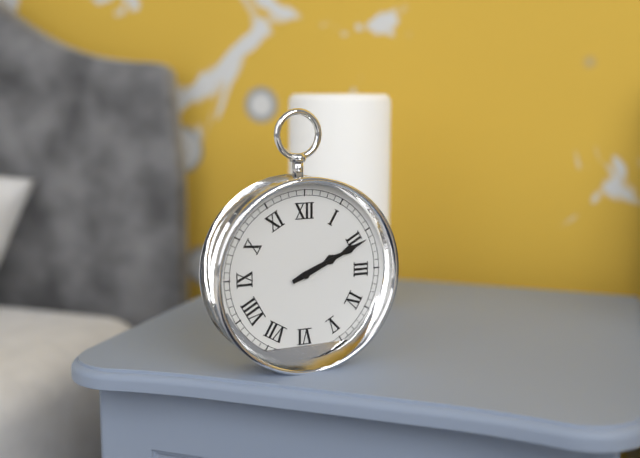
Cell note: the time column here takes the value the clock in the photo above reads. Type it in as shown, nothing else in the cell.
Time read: 2:11
